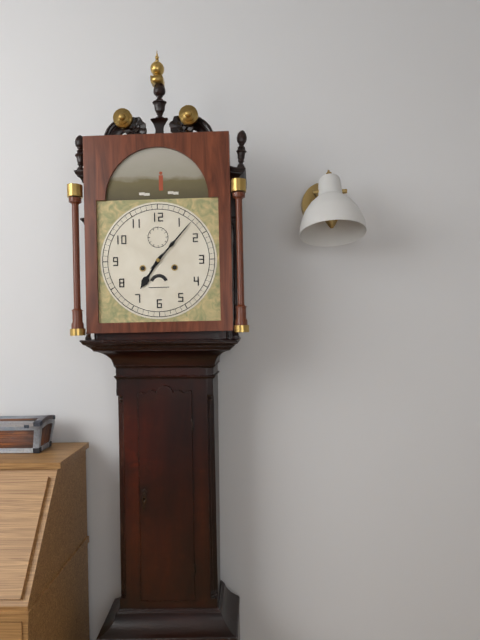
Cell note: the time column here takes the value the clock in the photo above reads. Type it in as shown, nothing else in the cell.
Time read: 7:07
